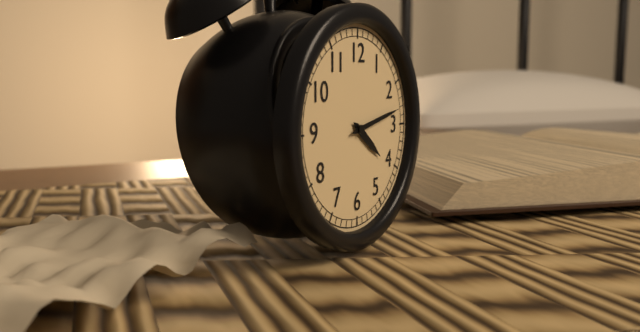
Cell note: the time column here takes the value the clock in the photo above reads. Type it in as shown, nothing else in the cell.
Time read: 4:13
